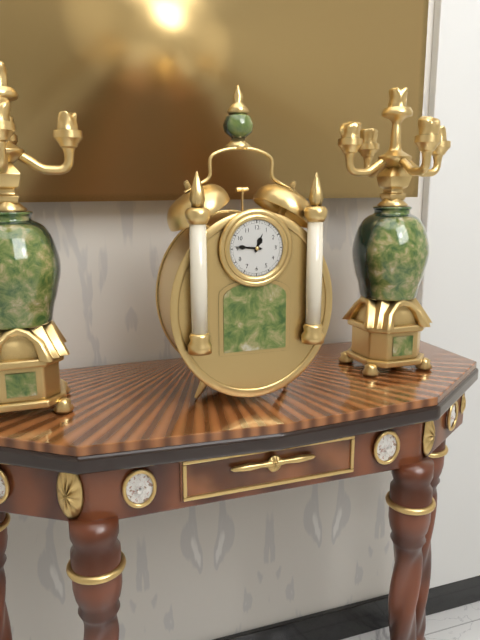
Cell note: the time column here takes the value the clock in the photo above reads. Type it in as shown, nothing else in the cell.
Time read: 12:46
